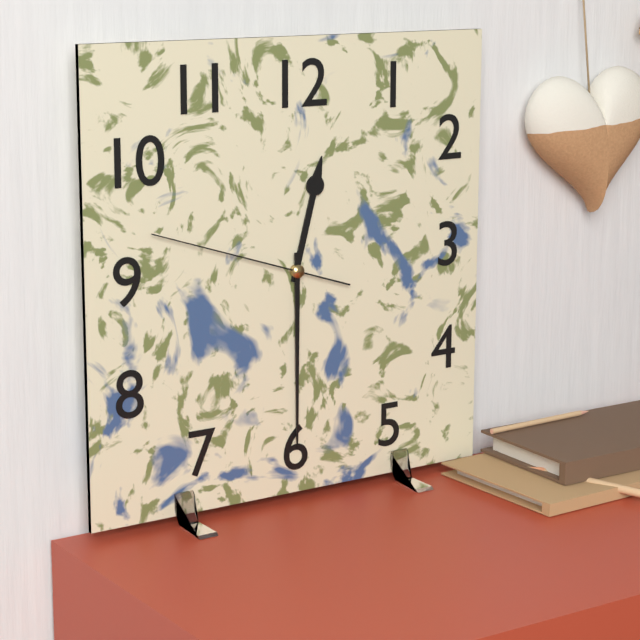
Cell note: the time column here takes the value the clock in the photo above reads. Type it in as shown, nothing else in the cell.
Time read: 12:30:48
